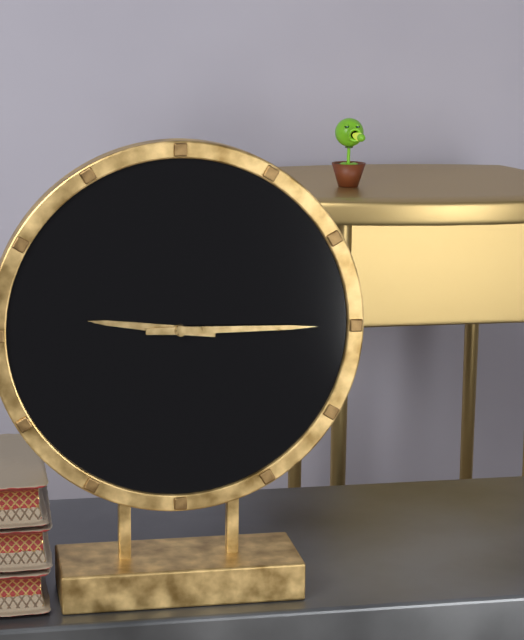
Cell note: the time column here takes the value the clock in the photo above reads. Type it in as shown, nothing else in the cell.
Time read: 9:15
